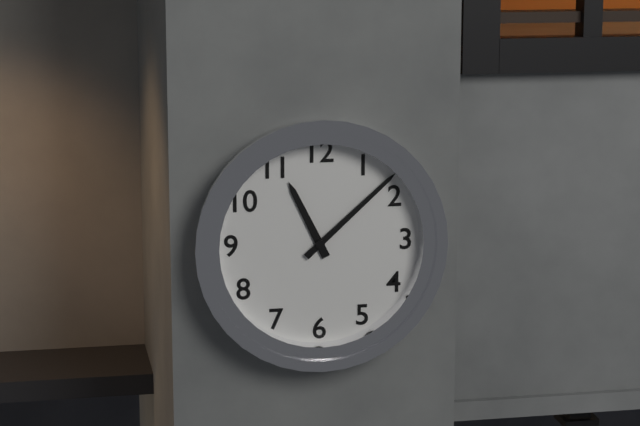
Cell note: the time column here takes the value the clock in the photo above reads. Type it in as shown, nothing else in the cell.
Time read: 11:08
